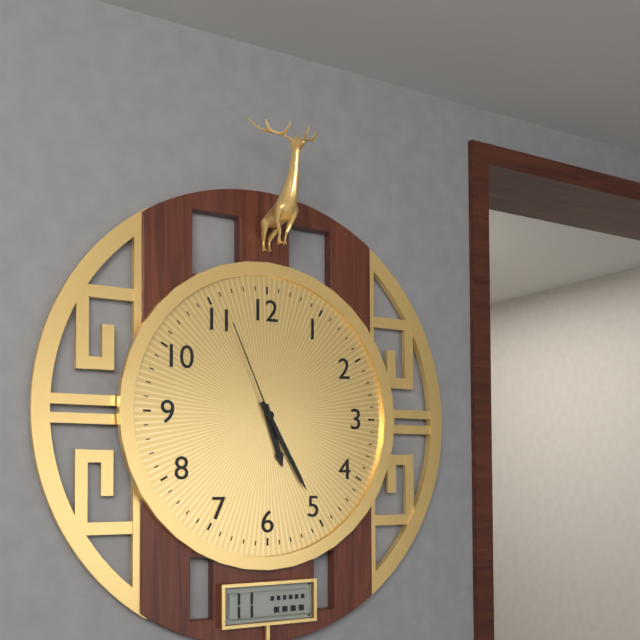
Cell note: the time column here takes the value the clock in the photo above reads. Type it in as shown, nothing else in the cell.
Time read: 5:25:56
